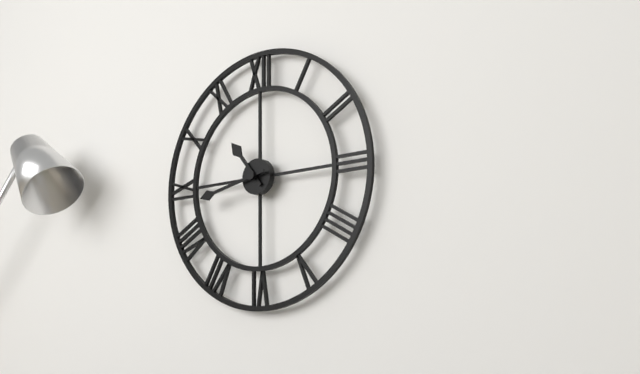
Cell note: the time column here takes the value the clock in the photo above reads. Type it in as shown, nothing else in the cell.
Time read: 10:43
